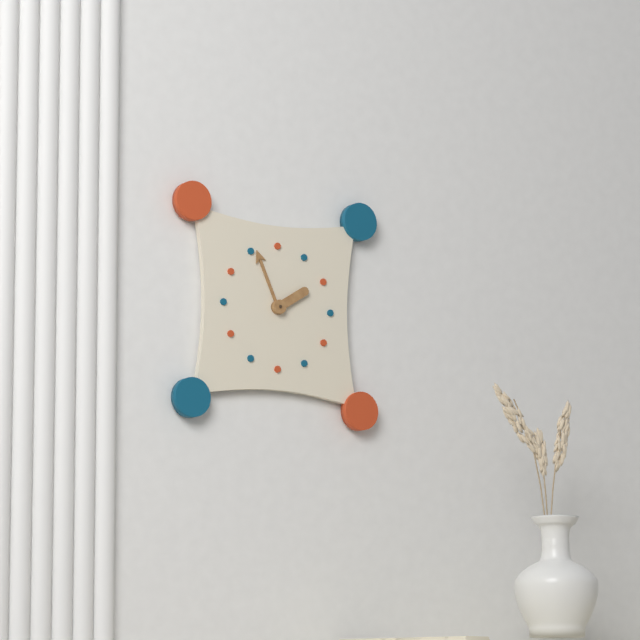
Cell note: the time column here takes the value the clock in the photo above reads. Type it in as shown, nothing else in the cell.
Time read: 1:56
